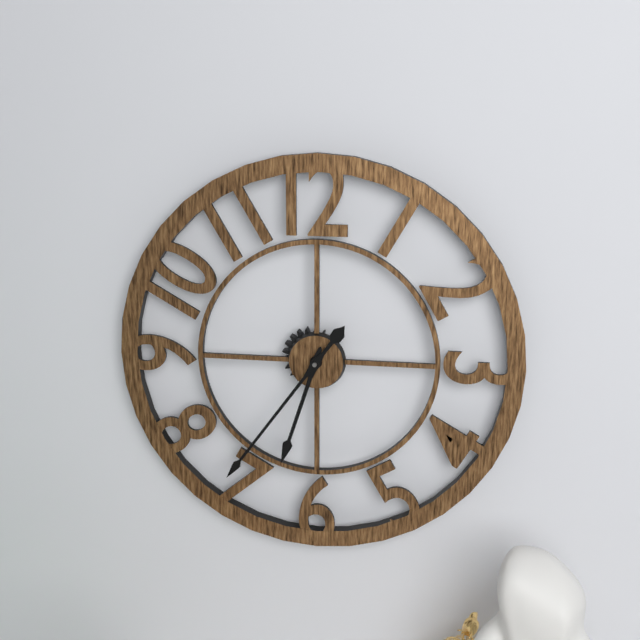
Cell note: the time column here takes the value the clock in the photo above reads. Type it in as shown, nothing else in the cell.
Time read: 6:36
